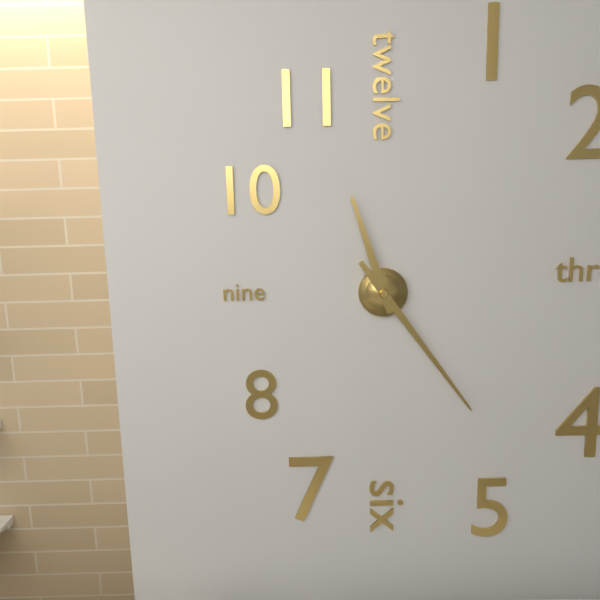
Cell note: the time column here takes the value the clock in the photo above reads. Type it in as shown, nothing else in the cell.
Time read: 11:24
